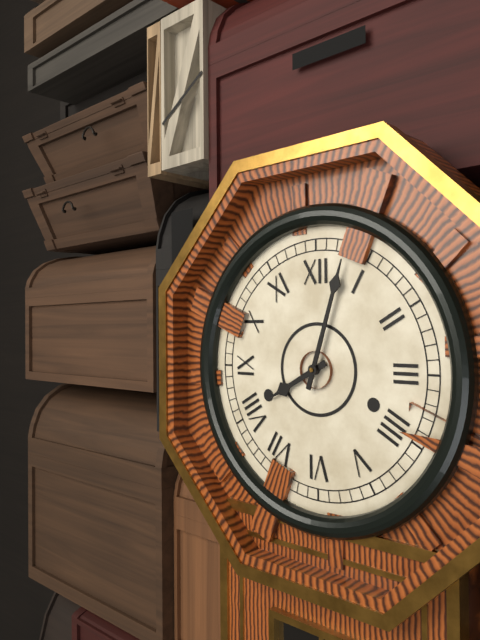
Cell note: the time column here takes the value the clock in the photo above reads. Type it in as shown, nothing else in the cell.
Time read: 8:03
